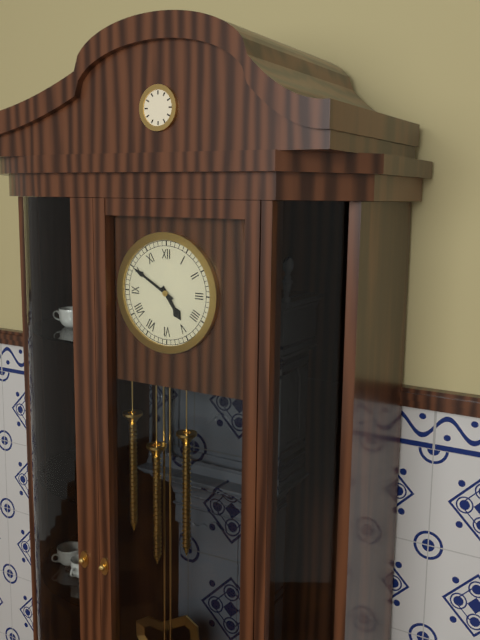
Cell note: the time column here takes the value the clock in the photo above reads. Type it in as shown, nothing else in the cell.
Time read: 4:50
